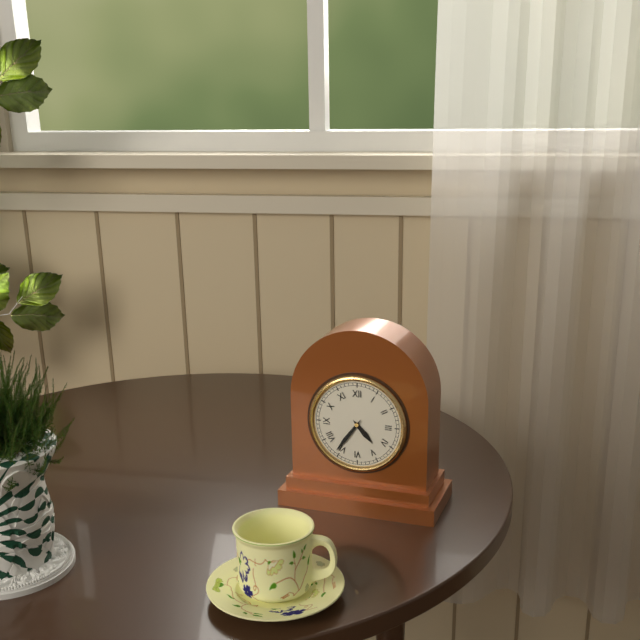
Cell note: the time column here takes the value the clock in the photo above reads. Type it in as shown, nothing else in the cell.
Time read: 4:36
